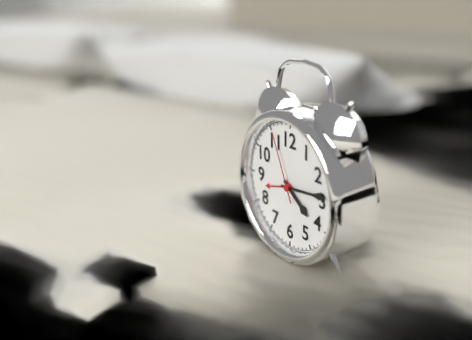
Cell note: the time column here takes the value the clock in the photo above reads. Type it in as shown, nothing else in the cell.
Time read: 4:14:56
